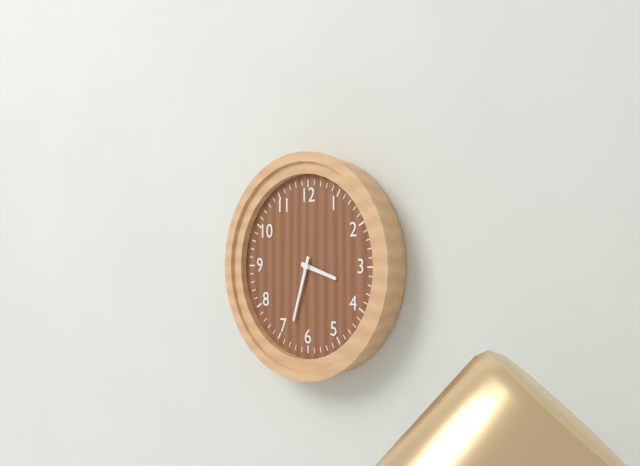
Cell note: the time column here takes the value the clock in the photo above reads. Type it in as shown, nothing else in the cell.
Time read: 3:33
